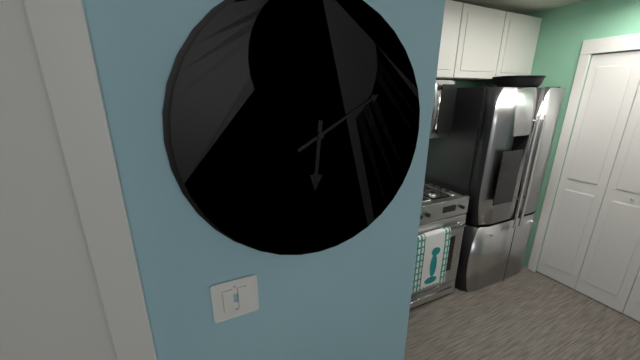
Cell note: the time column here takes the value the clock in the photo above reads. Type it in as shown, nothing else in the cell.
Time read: 6:10
